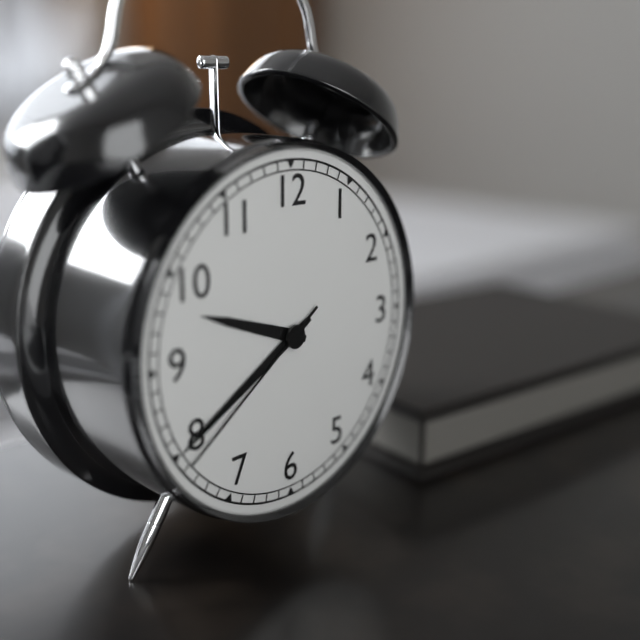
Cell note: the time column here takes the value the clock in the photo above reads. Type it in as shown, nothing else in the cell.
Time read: 9:40:39
